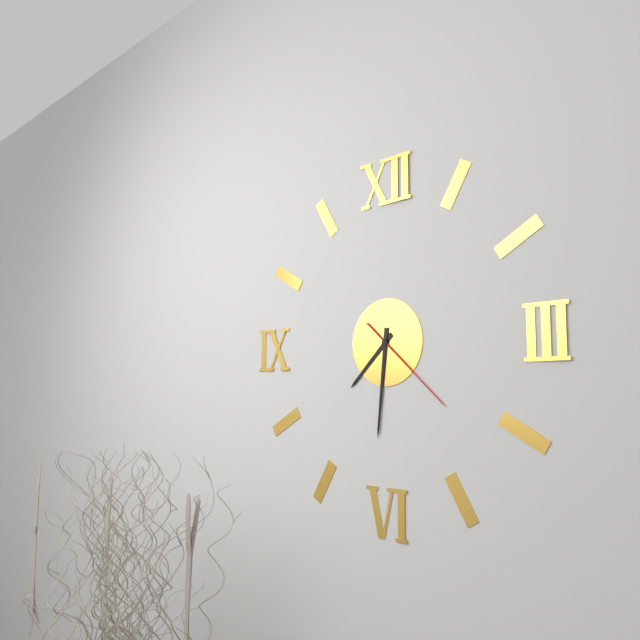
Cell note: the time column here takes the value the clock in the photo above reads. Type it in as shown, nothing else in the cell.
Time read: 7:31:22
